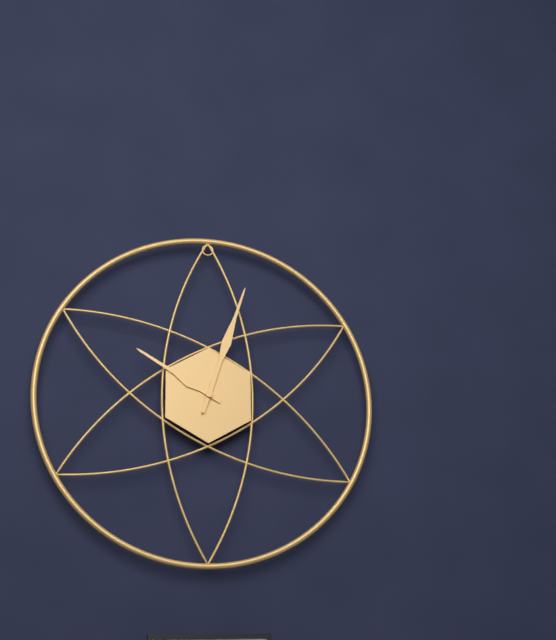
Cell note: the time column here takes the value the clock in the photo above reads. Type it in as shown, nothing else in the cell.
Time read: 10:03
